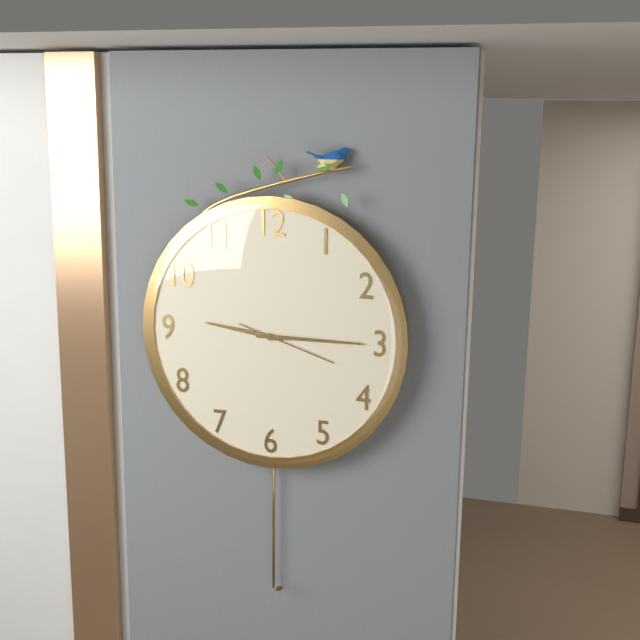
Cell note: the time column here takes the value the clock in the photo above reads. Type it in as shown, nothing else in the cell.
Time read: 9:15:18
